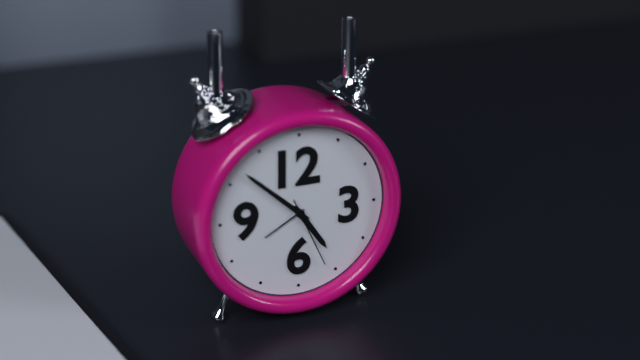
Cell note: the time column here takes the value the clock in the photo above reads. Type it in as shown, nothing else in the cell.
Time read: 4:52:26
